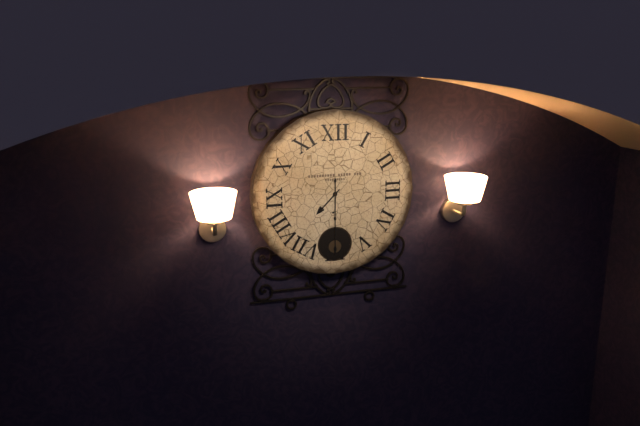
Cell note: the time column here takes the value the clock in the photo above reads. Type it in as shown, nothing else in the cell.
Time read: 7:30
